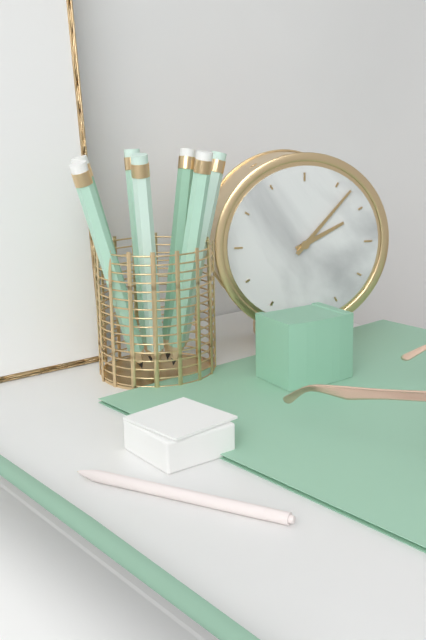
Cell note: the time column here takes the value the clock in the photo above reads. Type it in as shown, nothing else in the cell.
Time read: 2:07
